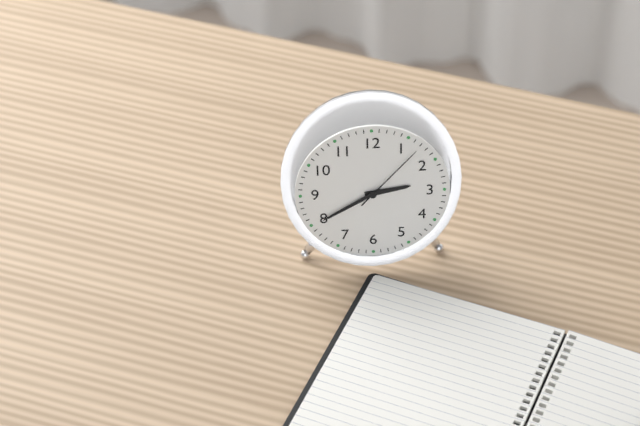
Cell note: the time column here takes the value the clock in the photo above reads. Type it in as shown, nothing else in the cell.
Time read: 2:40:07
